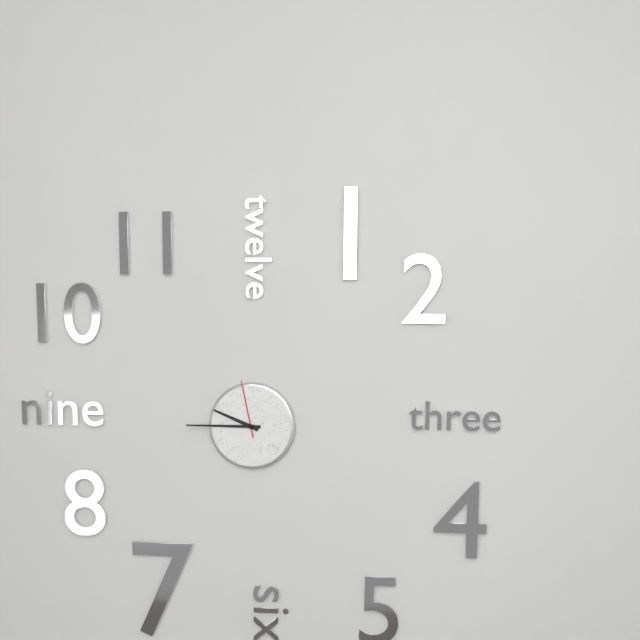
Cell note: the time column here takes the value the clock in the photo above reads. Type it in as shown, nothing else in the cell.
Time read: 9:45:58
